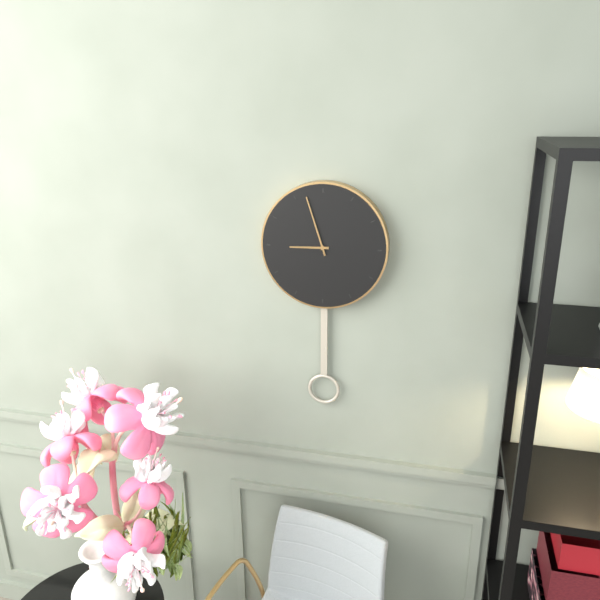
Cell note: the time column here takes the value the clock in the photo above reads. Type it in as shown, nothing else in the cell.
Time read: 8:57
